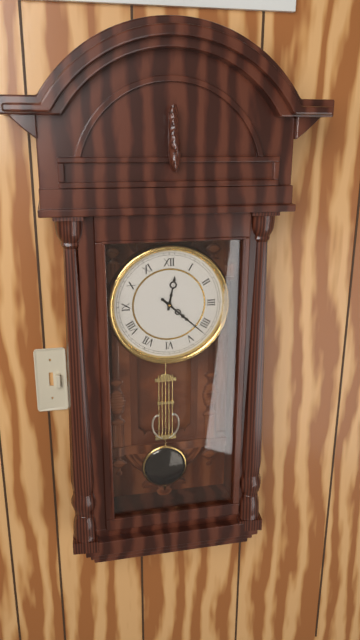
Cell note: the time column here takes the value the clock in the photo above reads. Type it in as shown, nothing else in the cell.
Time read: 12:22
